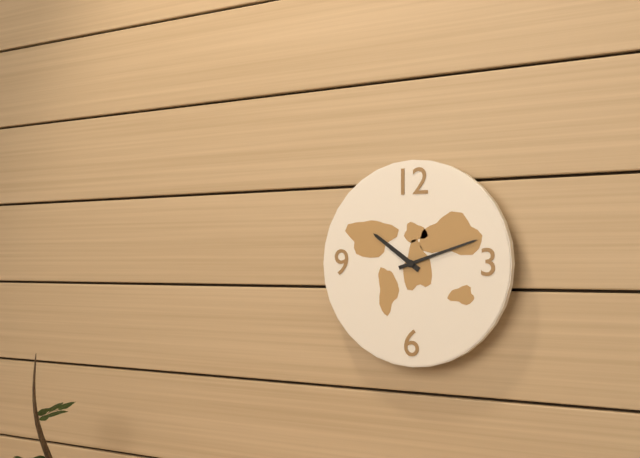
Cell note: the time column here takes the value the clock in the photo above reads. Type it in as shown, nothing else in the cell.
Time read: 10:12
